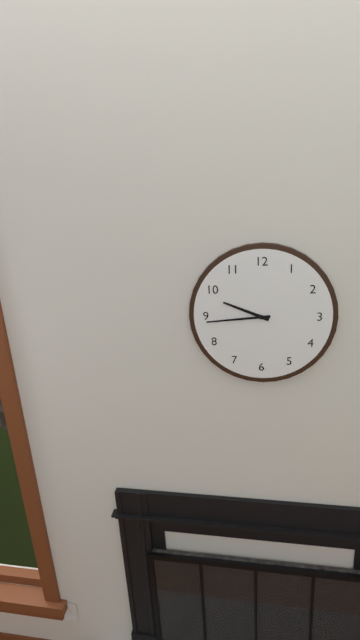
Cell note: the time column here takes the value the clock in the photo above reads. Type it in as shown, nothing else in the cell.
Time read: 9:44
